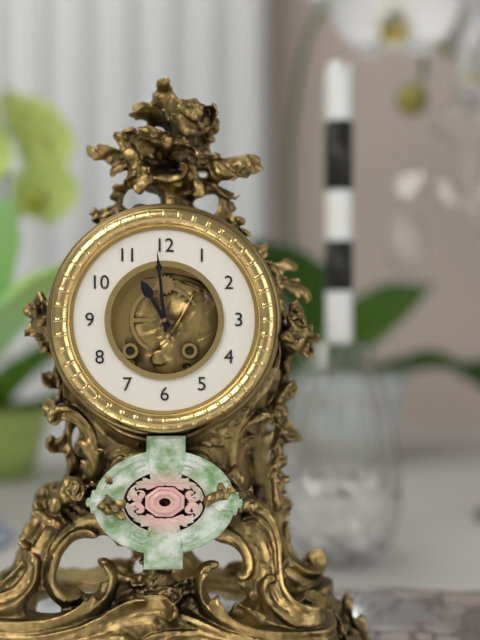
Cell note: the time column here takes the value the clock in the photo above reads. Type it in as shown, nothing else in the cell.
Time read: 10:59
